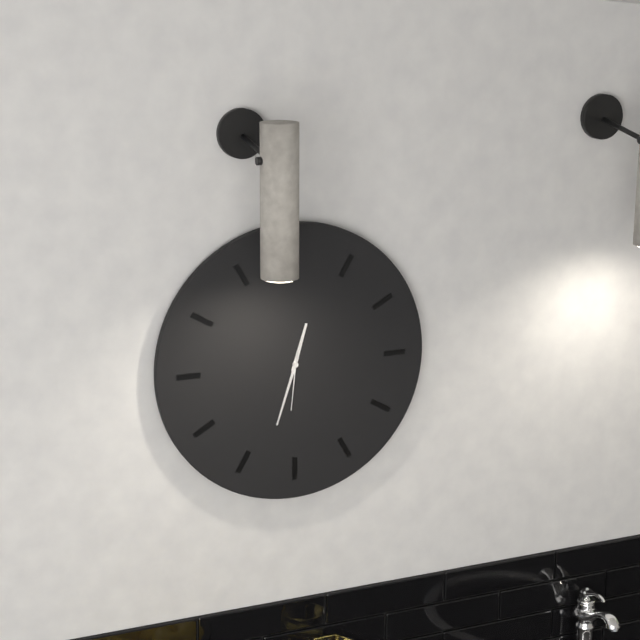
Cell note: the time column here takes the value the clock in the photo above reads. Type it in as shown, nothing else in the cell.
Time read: 12:33:31
